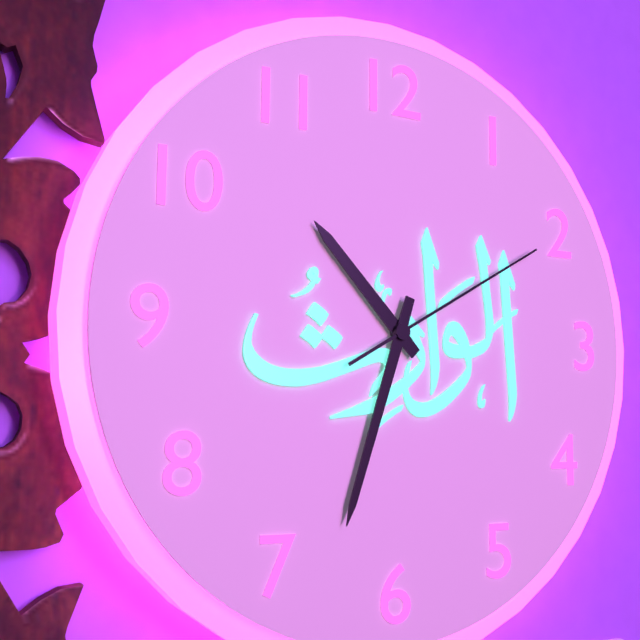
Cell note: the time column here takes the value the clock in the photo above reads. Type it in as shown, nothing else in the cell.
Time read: 10:33:10
